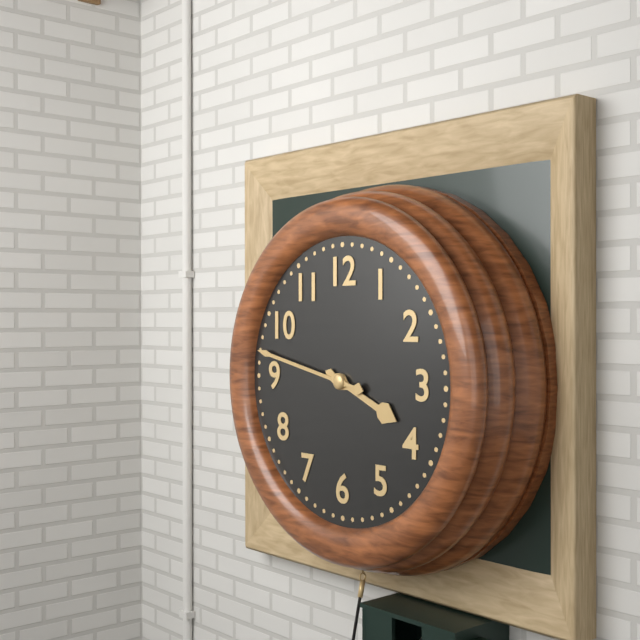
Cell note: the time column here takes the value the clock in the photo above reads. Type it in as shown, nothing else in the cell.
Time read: 3:47
